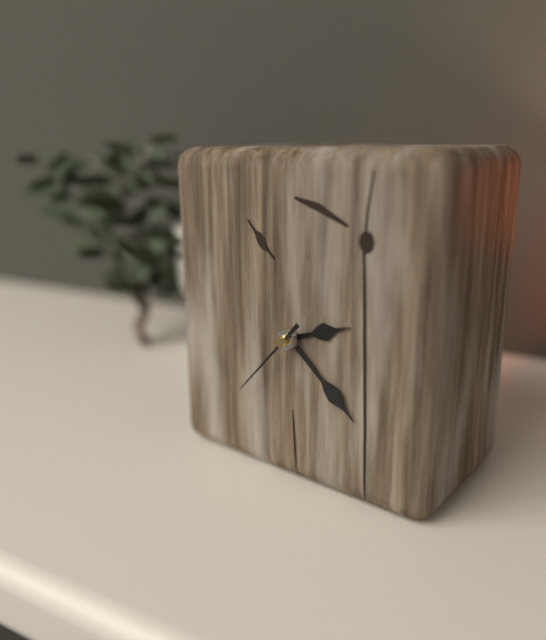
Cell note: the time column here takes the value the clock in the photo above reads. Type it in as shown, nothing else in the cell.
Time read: 2:22:37
